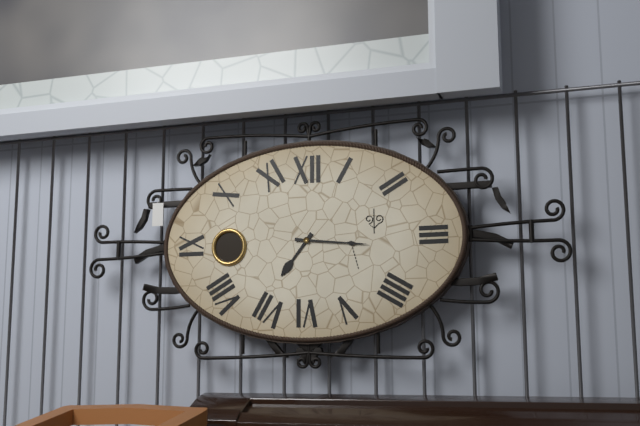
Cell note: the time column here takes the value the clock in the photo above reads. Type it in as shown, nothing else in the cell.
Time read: 7:16
